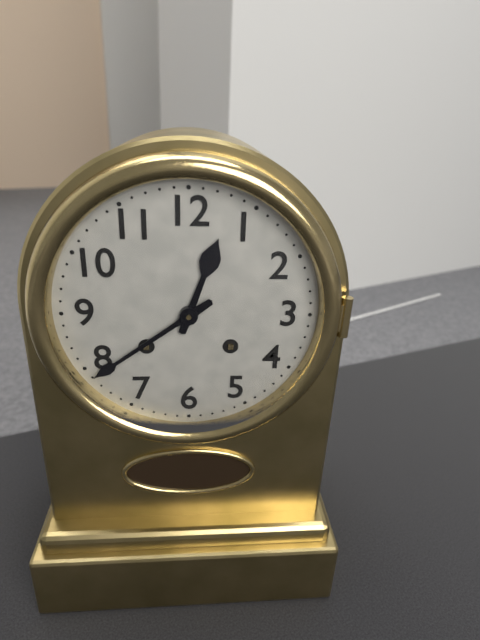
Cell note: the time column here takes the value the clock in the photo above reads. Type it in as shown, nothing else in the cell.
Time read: 12:39
